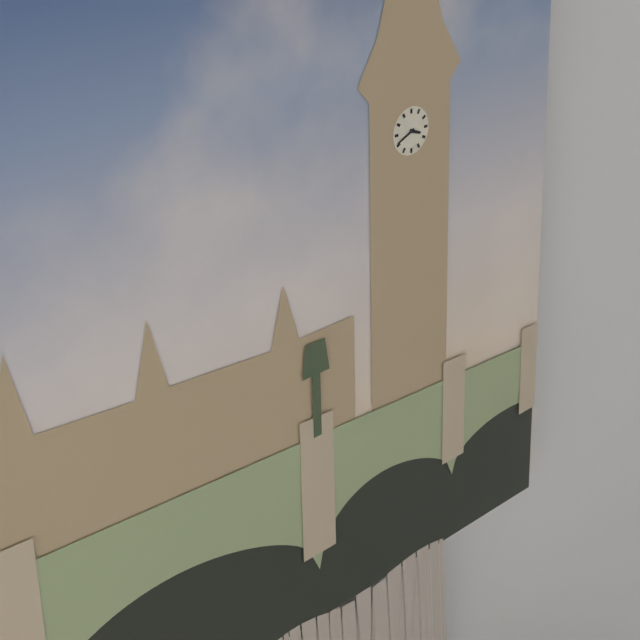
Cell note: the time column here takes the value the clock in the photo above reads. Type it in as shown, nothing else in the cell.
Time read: 3:41
